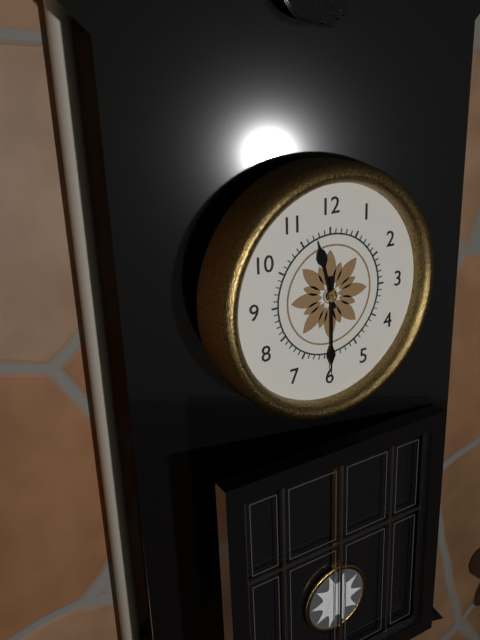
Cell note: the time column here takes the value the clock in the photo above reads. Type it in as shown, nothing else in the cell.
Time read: 11:30
